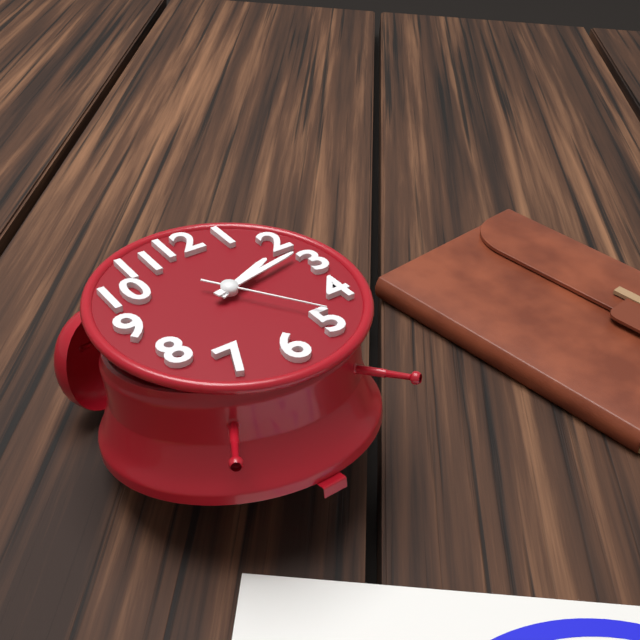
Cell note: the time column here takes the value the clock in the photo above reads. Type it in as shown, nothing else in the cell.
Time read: 2:13:24
